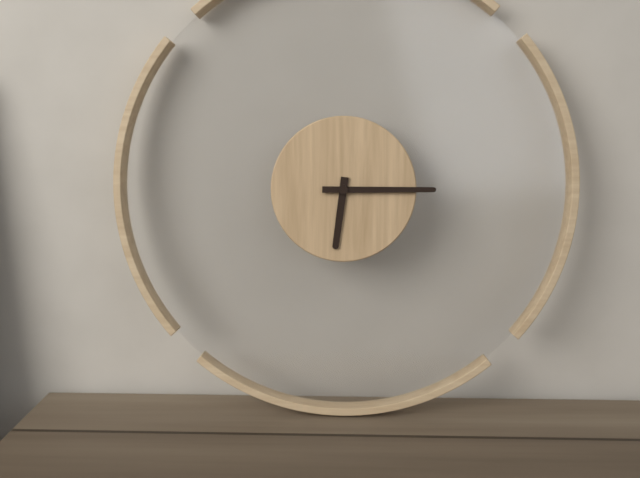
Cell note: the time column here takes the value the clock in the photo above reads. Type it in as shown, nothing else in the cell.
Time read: 6:15
